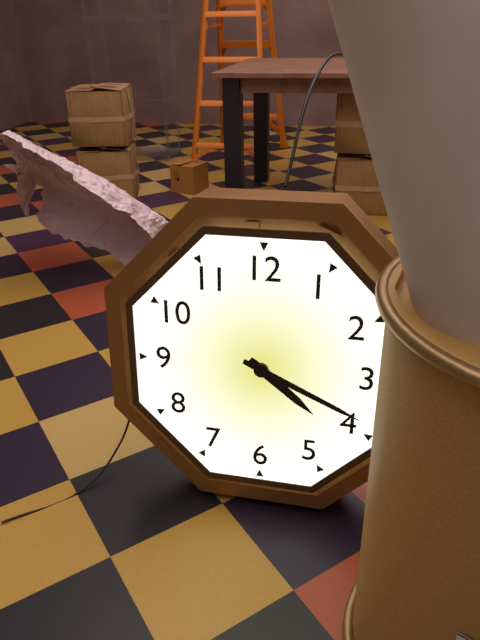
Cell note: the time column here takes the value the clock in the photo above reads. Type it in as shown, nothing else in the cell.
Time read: 4:19
